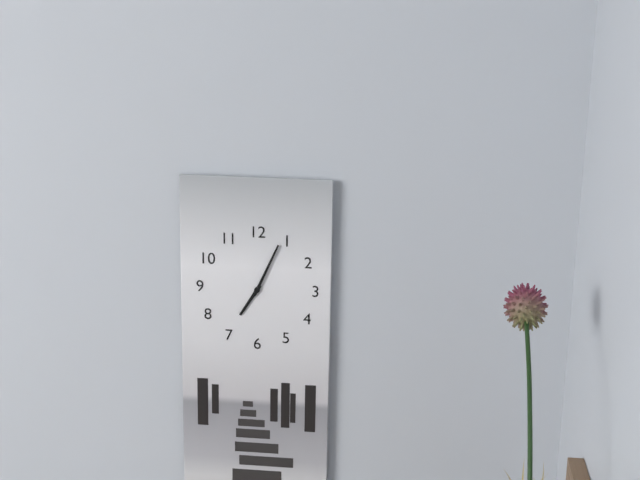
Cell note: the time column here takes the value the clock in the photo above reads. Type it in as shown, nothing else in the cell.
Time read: 7:04
